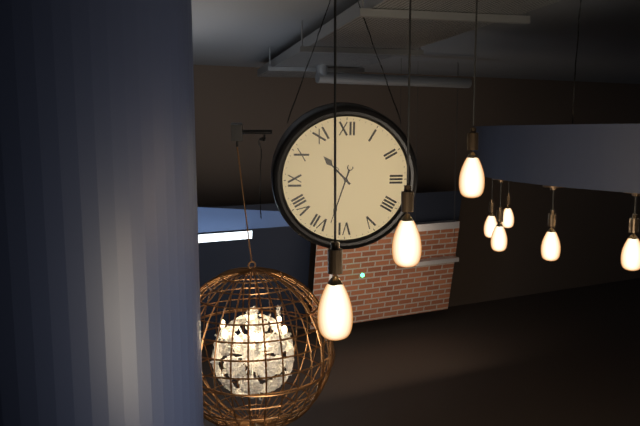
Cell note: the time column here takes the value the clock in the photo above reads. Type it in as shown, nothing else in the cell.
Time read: 10:33
